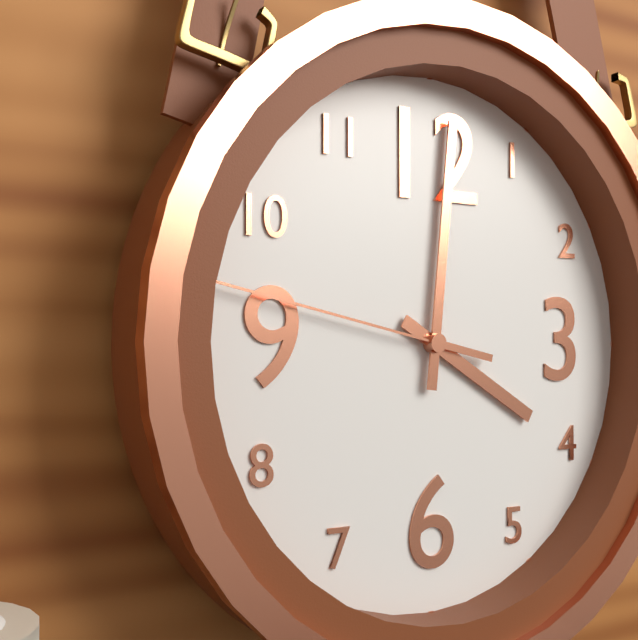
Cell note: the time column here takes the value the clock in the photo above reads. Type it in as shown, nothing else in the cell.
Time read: 4:01:47
